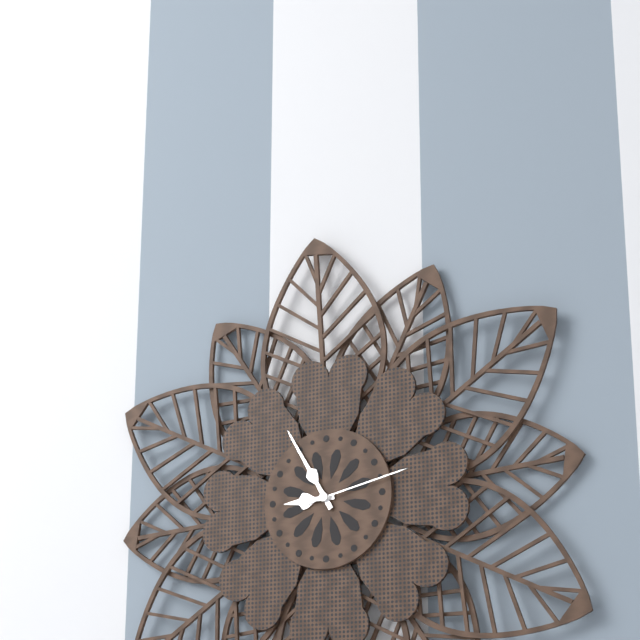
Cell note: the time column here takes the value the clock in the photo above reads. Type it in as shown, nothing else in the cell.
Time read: 8:55:13
